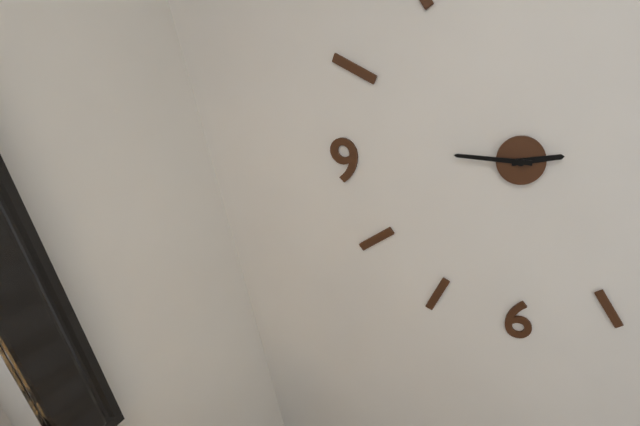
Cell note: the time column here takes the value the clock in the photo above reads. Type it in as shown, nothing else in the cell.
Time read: 2:46
